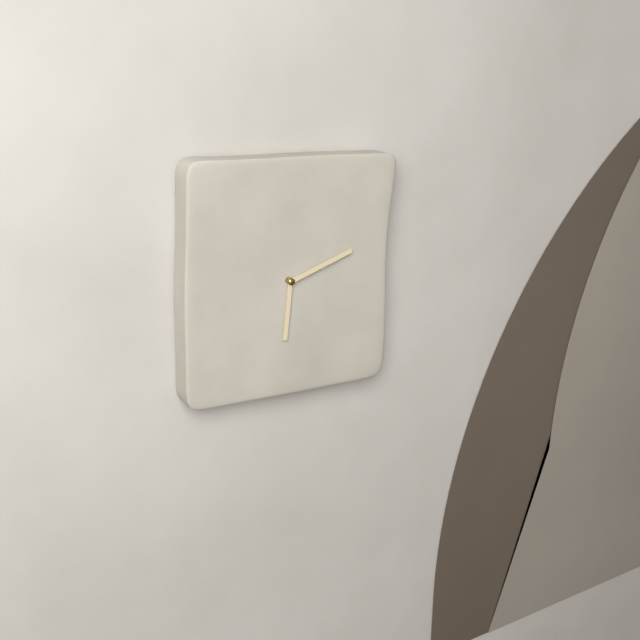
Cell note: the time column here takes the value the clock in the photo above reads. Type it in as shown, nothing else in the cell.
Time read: 6:12
